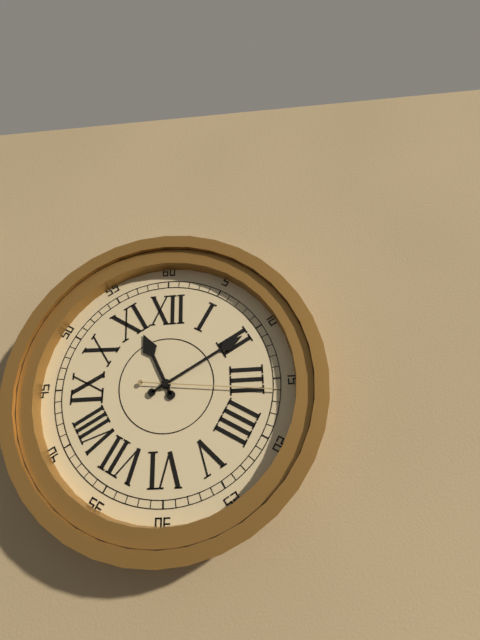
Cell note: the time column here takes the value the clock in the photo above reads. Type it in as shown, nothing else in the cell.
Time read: 11:10:16
